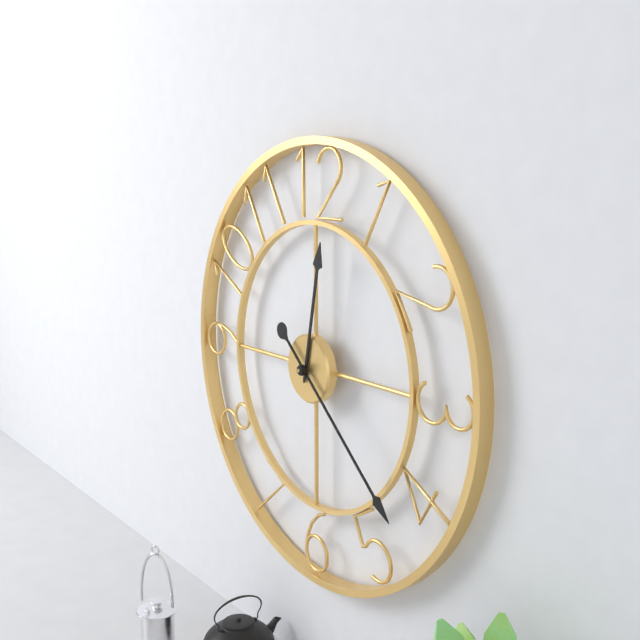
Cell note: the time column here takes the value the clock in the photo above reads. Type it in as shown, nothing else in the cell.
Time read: 12:22
